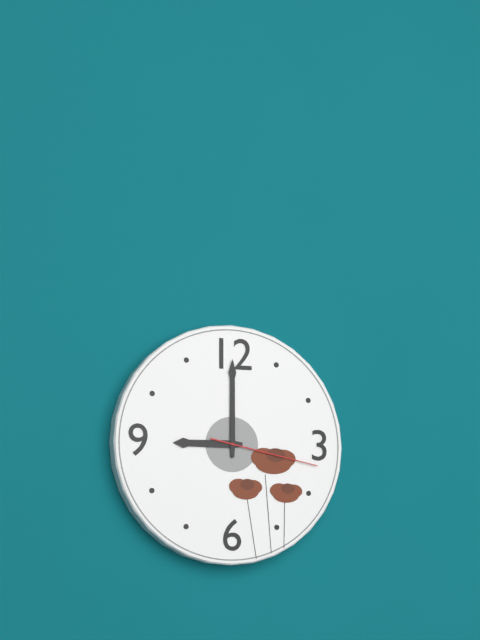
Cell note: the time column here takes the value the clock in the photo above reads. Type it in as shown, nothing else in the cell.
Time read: 9:00:17
